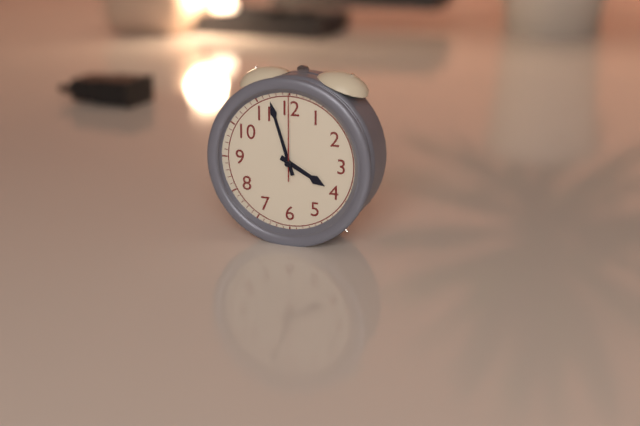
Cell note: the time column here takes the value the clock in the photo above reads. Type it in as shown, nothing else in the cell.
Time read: 3:57:00
